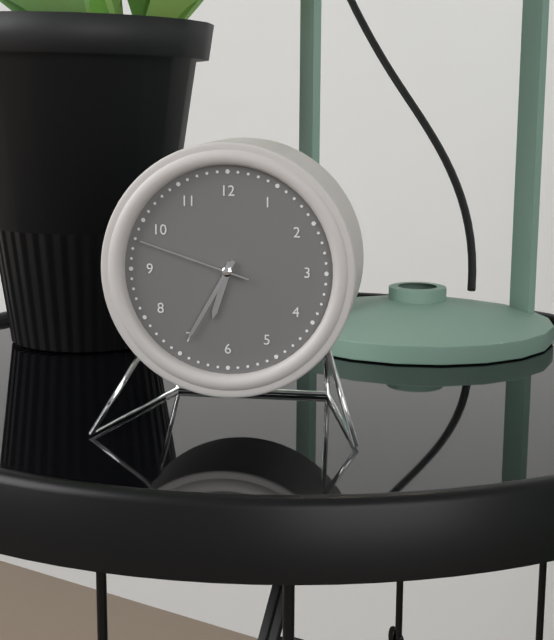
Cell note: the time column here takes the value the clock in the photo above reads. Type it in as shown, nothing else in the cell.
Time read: 6:35:48
